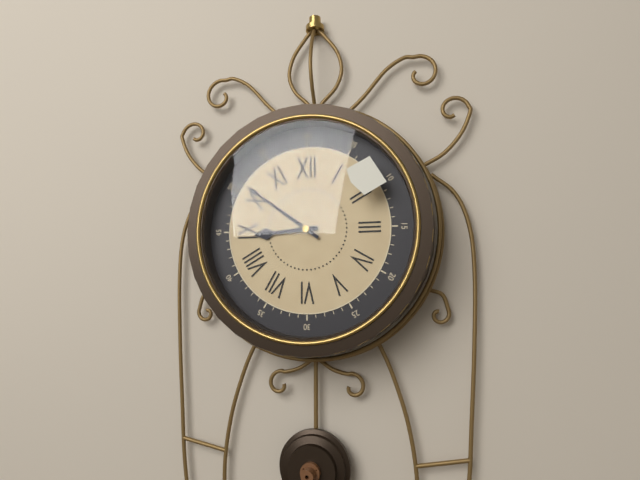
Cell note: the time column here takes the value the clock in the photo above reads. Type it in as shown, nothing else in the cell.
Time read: 8:51
